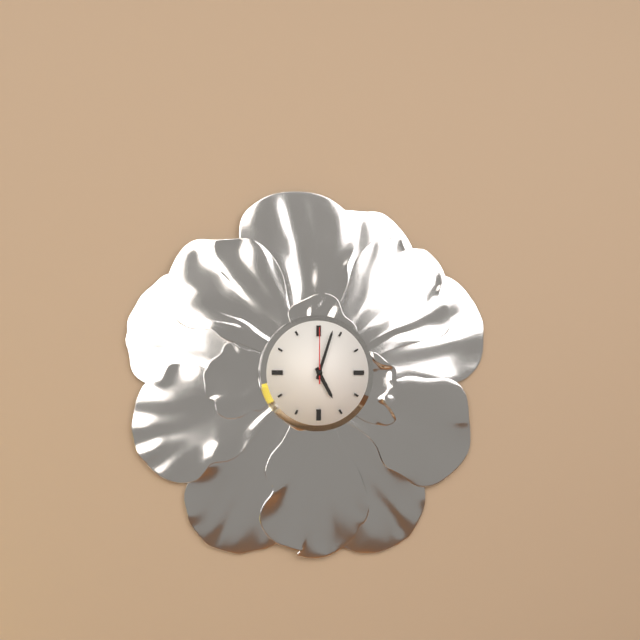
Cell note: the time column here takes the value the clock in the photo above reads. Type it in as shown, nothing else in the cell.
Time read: 5:03:00
